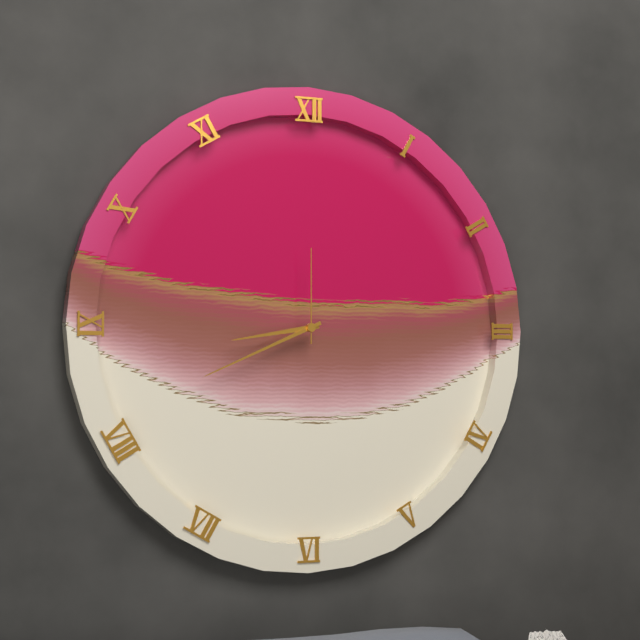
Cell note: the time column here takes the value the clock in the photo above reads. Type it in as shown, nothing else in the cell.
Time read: 8:41:00
